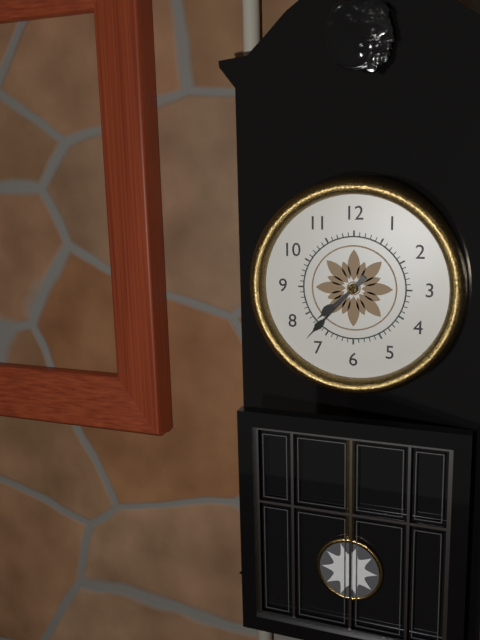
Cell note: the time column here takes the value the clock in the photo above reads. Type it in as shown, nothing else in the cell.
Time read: 7:37
